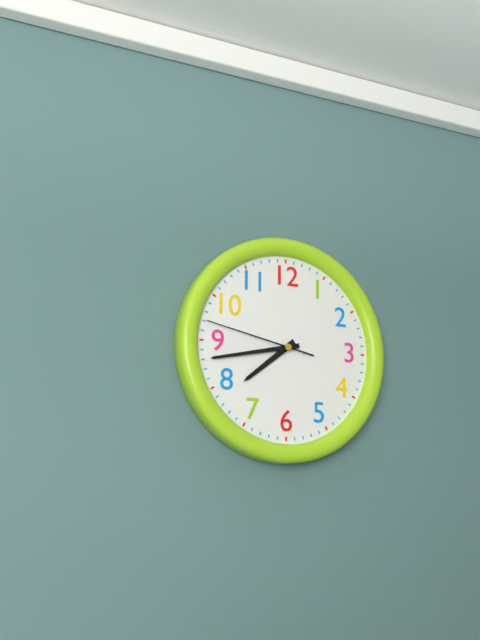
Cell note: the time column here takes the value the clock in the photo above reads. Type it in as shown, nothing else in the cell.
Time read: 7:43:47
